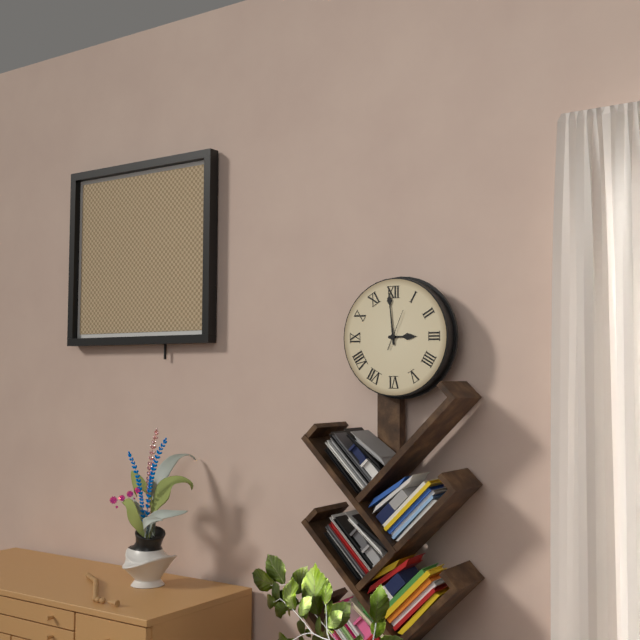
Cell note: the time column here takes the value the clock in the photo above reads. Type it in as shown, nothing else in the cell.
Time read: 2:59
